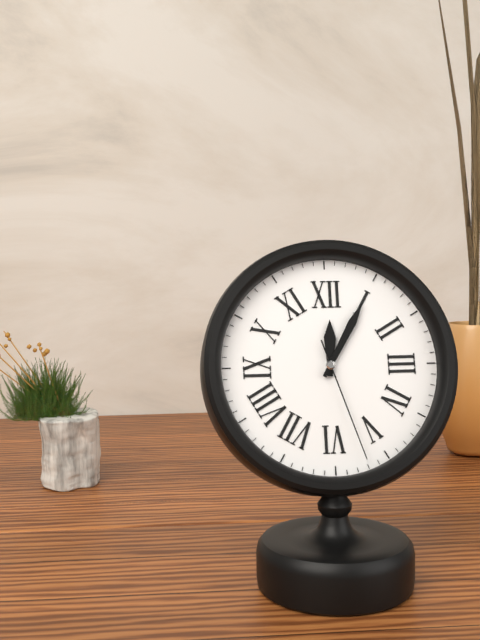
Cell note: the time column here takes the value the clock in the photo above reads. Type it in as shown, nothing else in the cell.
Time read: 12:05:27
